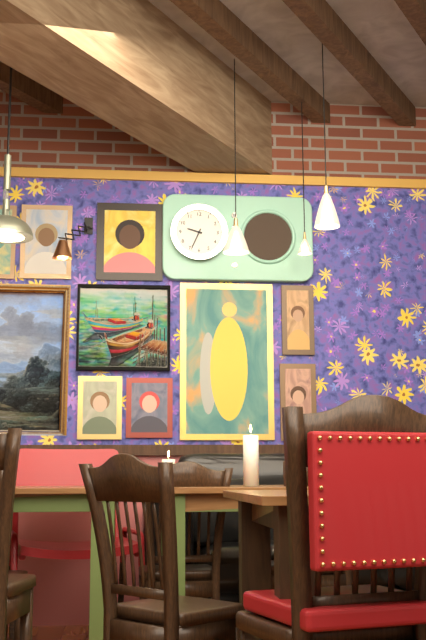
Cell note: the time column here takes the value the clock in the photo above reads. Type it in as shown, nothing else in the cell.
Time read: 9:34
